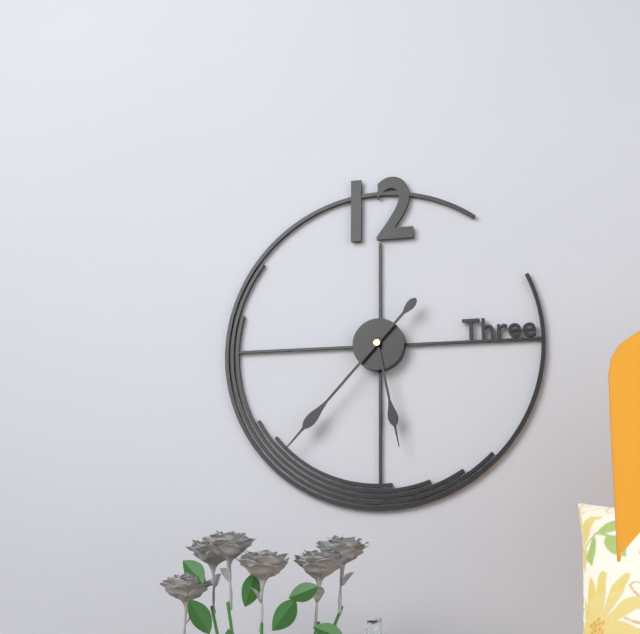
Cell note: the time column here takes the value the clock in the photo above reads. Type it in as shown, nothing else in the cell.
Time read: 5:37
